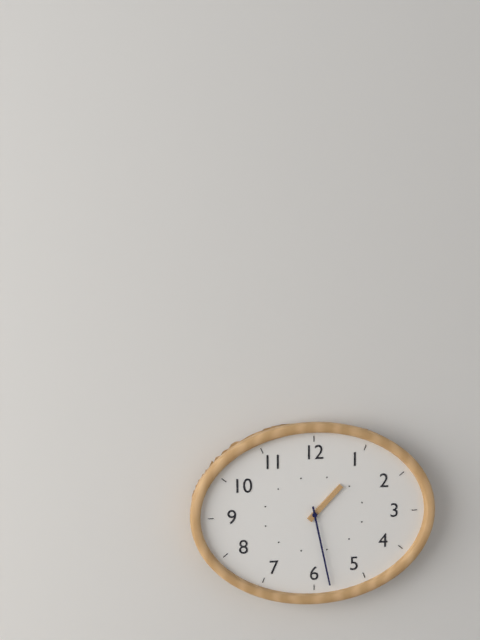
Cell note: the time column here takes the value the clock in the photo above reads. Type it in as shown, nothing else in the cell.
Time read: 1:28
